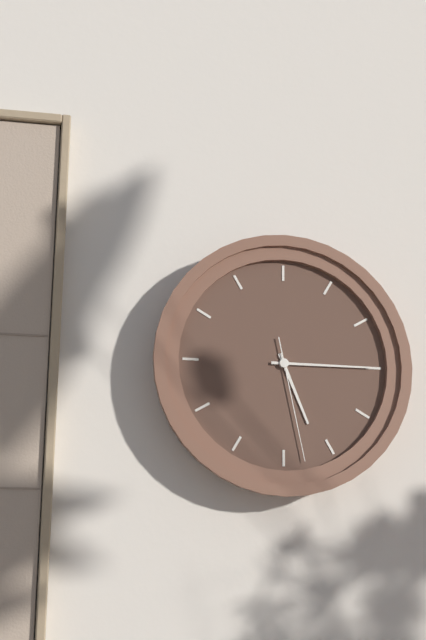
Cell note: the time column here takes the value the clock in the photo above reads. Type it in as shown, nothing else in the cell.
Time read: 5:15:28
